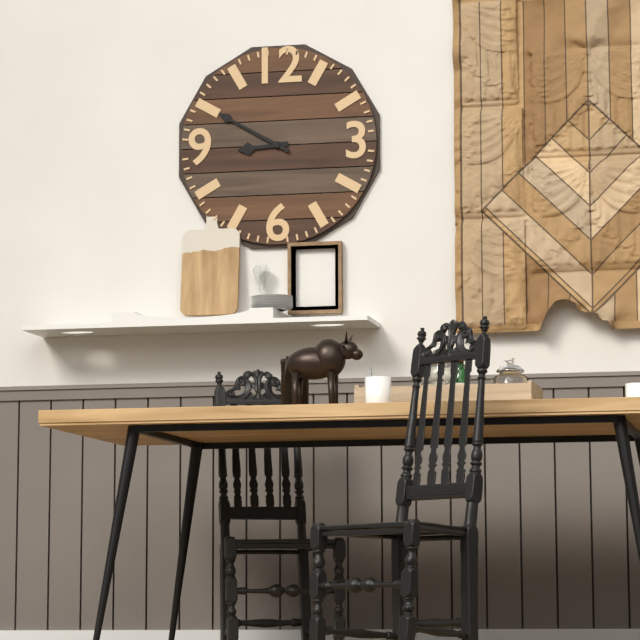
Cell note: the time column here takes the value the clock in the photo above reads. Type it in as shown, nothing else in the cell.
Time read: 8:50
